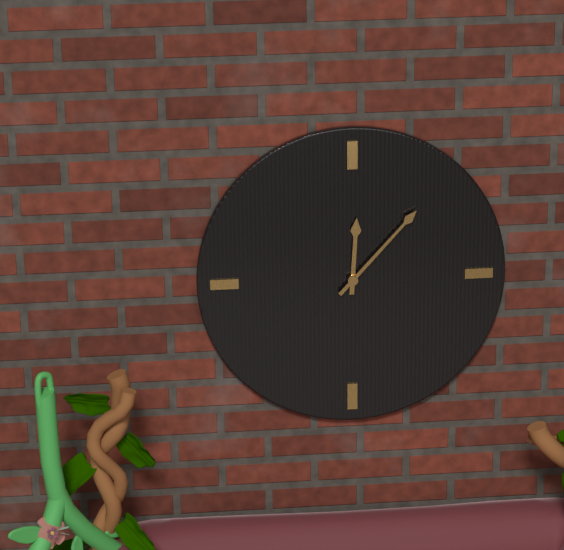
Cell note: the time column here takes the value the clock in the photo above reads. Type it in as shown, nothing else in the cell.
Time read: 12:07
